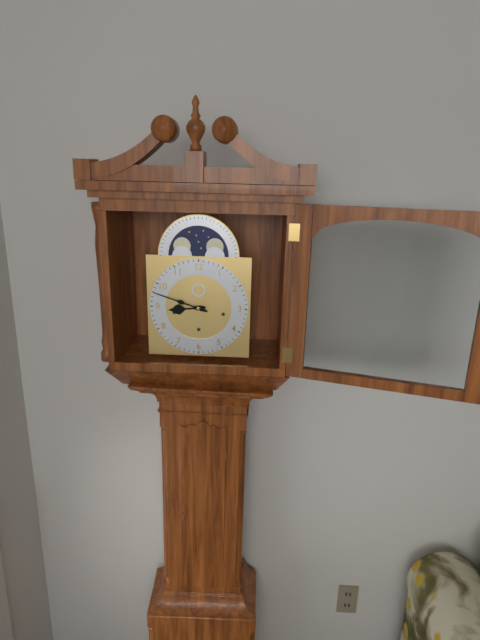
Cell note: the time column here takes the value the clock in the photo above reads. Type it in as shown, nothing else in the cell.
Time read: 8:48
